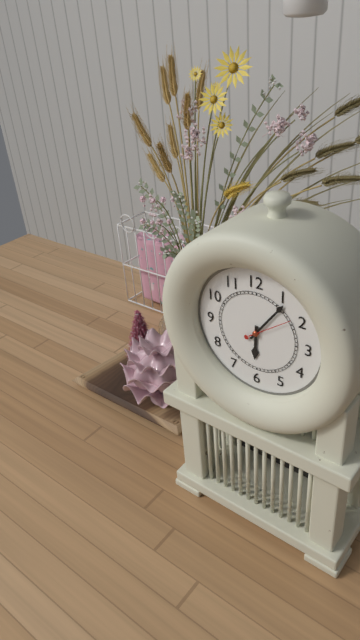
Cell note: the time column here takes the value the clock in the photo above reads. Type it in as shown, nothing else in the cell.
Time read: 6:06
